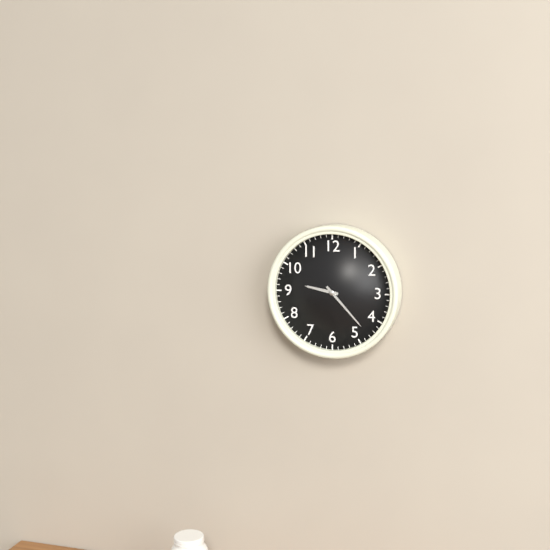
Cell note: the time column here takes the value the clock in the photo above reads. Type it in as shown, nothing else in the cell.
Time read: 9:23
